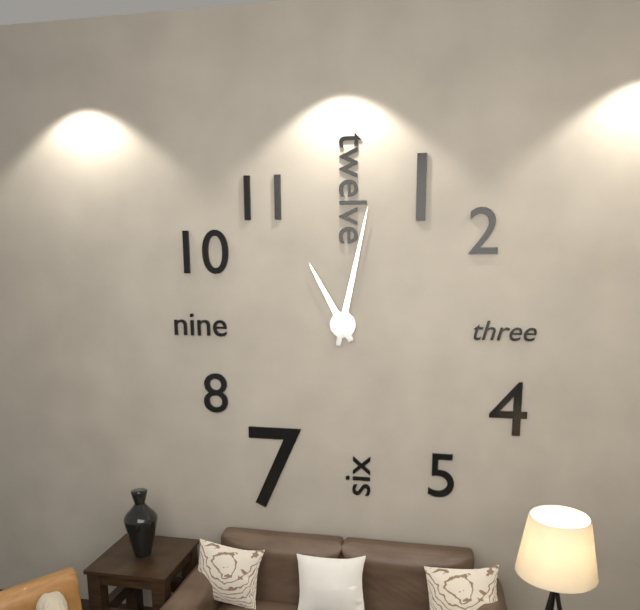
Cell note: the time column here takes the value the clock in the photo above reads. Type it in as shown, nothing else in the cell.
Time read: 11:02
